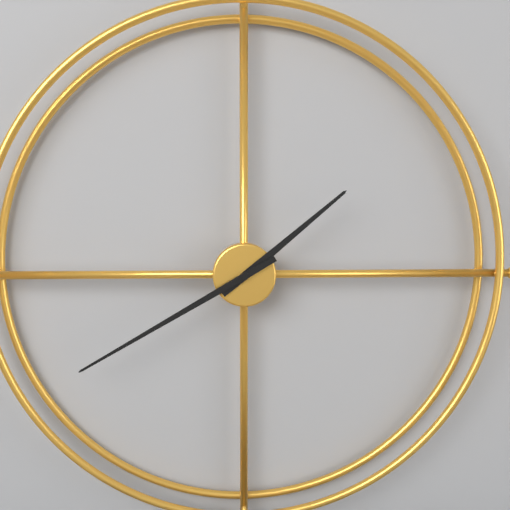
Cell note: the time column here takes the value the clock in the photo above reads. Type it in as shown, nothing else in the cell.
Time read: 1:40
